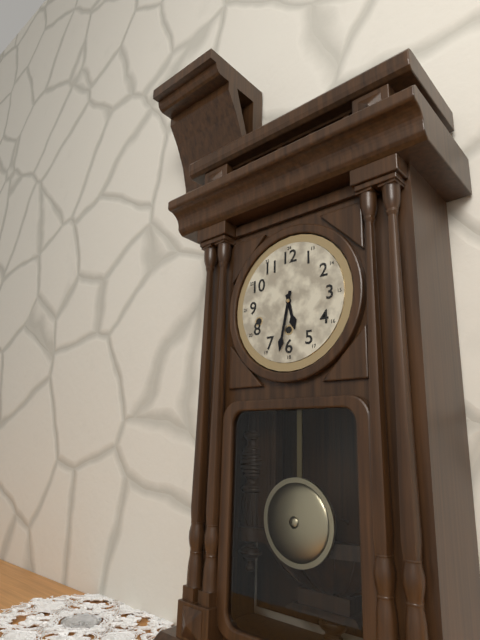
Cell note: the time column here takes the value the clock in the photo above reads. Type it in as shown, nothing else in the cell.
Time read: 5:32
